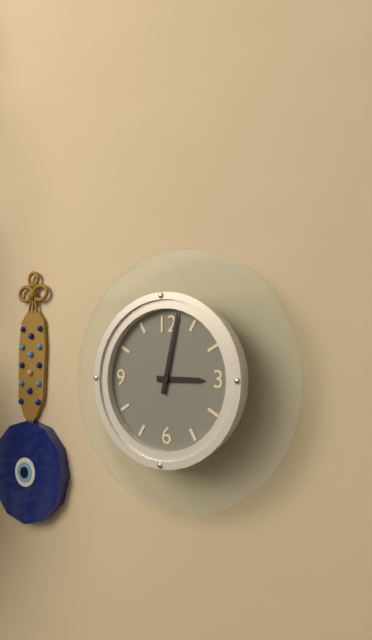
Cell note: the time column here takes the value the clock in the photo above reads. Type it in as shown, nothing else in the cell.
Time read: 3:02
